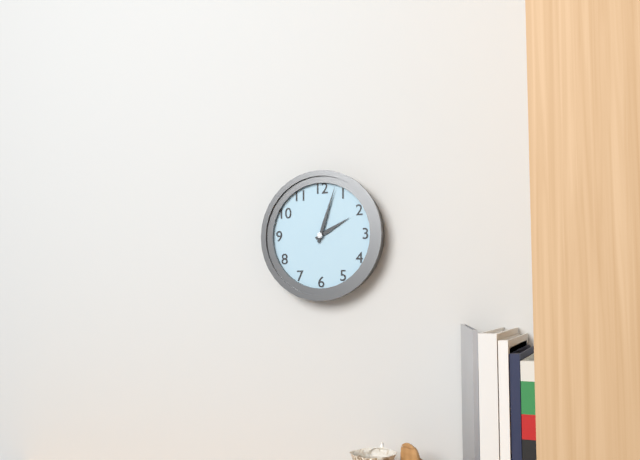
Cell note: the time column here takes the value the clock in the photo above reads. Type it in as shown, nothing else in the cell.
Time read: 2:03
